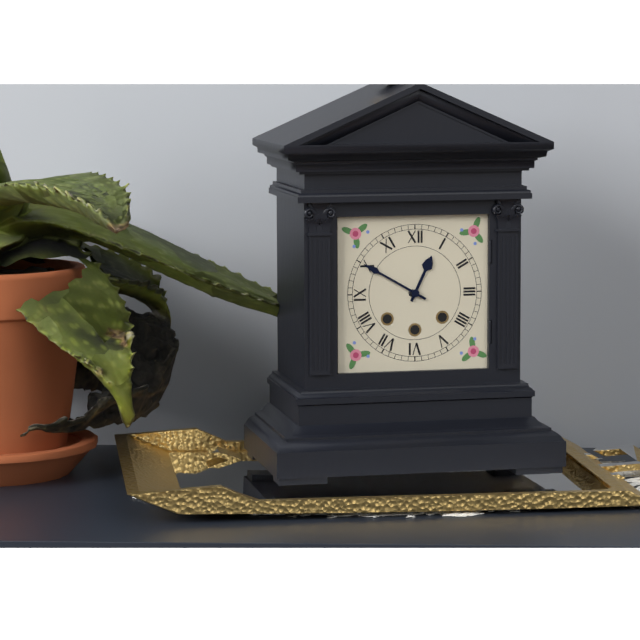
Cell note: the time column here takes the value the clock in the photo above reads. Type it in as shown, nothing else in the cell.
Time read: 12:50
